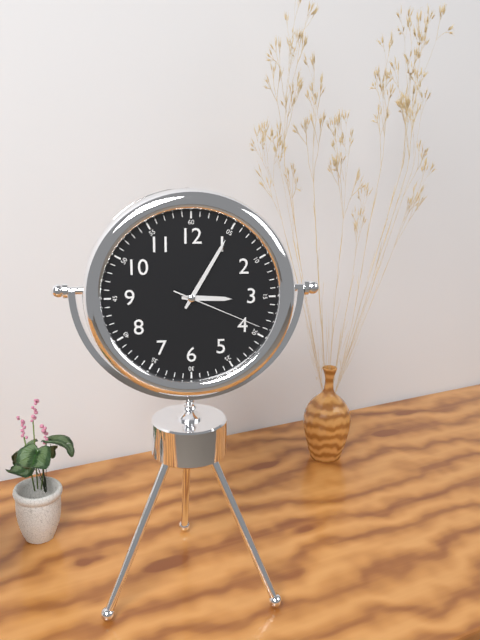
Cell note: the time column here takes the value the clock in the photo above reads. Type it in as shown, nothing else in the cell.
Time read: 3:05:19
